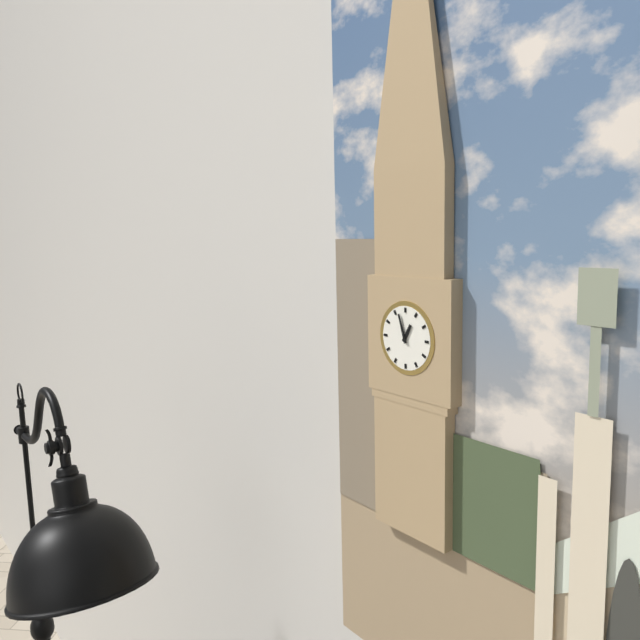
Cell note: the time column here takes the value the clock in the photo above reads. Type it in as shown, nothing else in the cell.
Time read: 12:57
